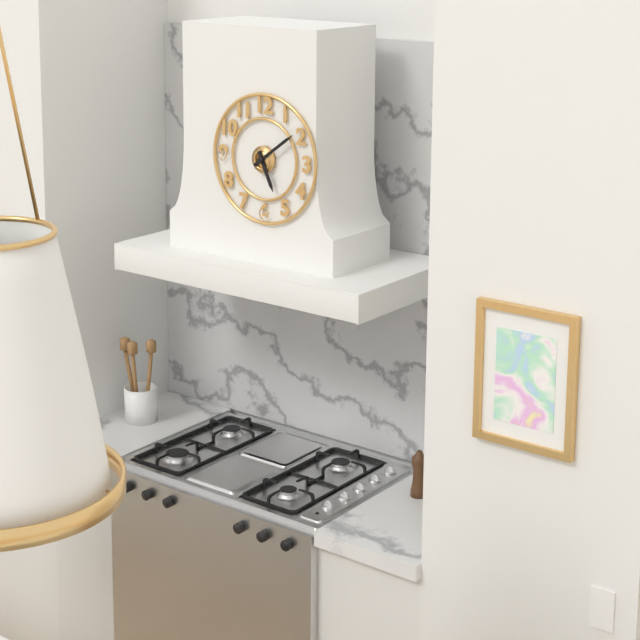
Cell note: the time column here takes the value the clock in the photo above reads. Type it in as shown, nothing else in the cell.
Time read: 5:09
